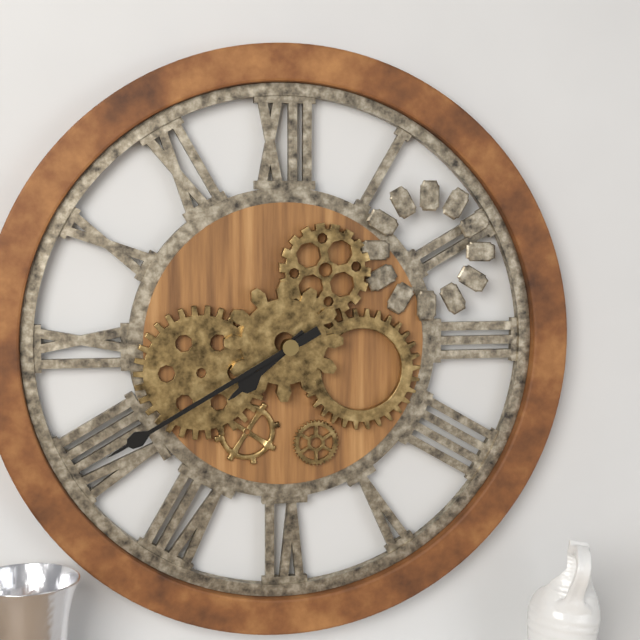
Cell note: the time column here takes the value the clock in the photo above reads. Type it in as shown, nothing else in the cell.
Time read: 7:40
